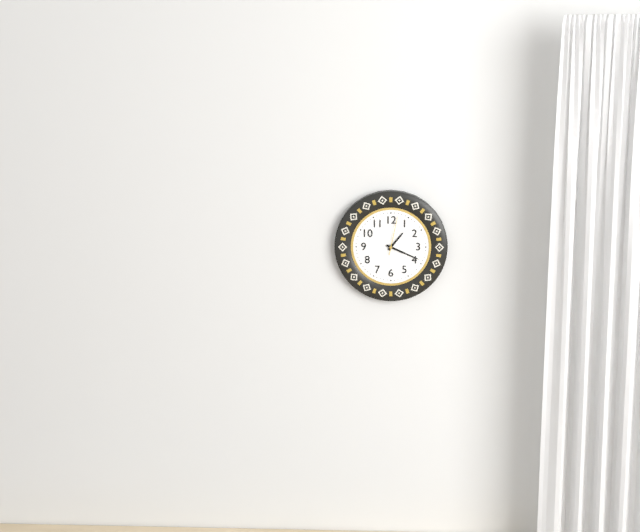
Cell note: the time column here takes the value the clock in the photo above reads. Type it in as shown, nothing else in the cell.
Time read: 1:19
